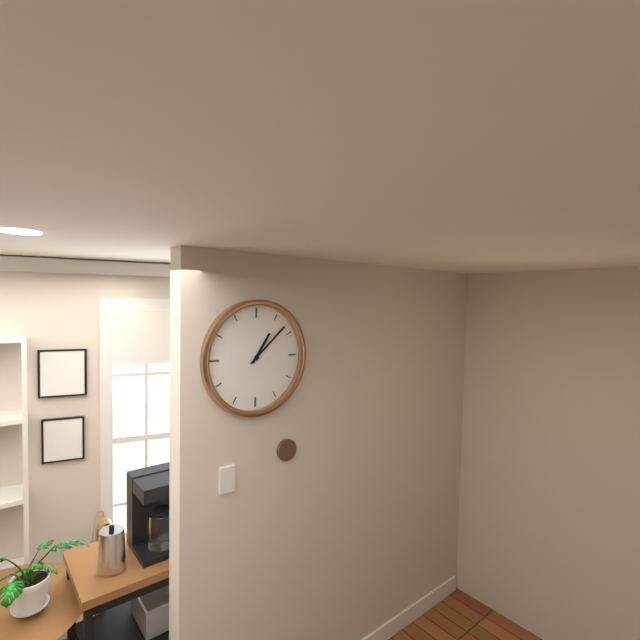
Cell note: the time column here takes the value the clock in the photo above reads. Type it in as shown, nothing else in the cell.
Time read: 1:08
